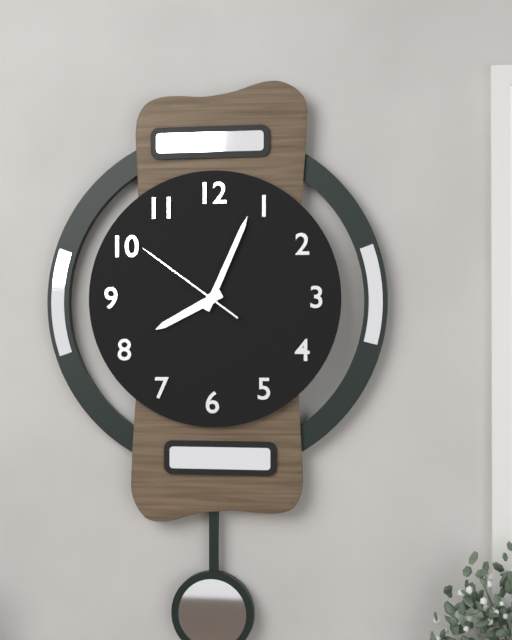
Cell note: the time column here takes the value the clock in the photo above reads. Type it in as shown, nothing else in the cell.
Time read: 8:04:51
